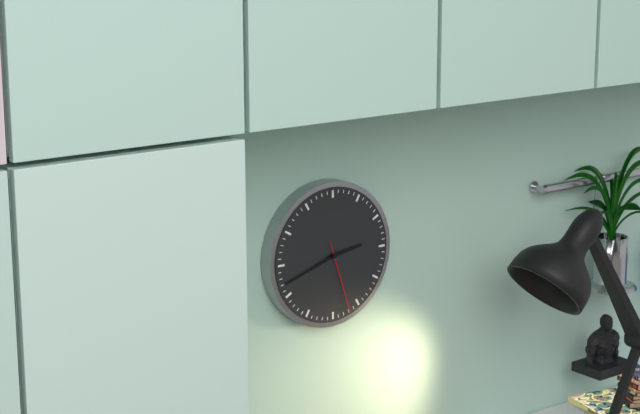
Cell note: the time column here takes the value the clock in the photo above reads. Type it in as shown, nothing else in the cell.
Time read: 2:42:27
